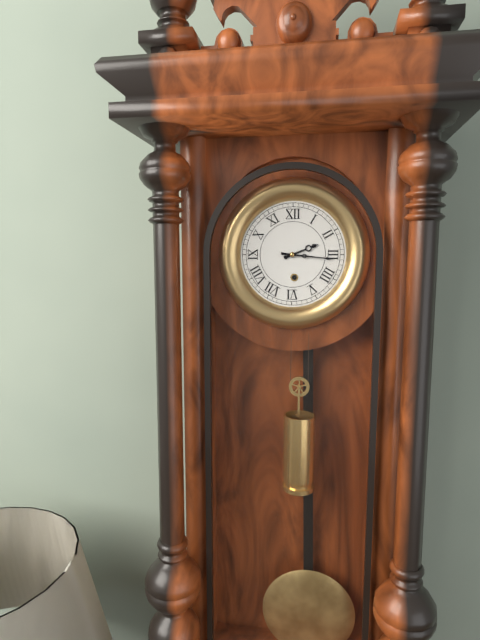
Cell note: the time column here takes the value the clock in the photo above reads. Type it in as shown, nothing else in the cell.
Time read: 2:16
